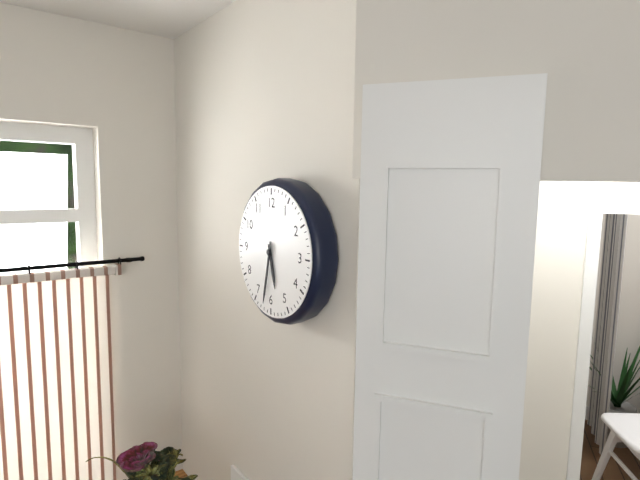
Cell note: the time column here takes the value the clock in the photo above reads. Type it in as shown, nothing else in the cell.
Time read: 5:32
